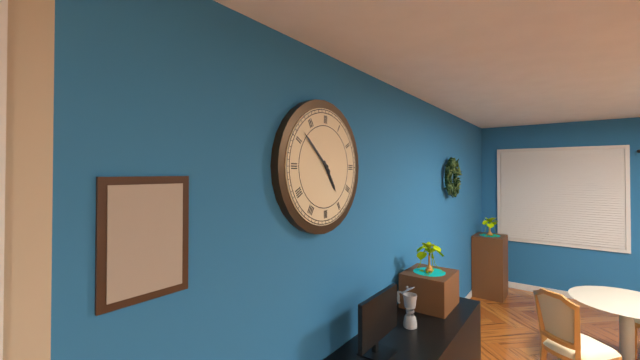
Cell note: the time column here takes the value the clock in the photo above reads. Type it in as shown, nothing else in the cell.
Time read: 4:52
